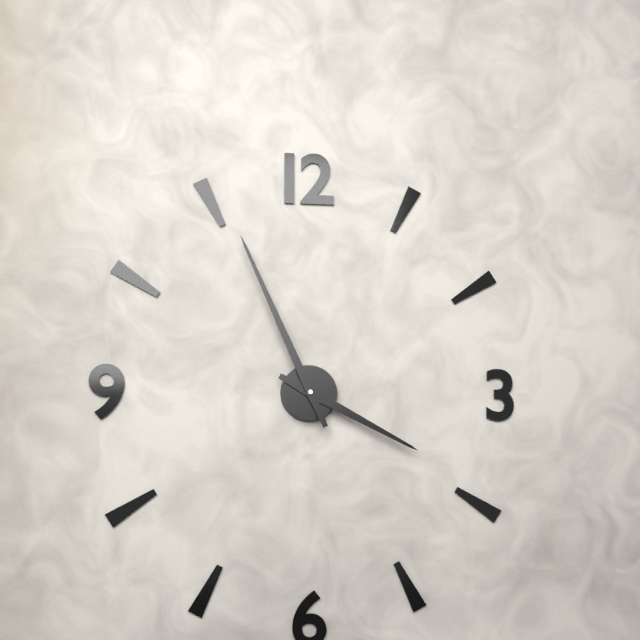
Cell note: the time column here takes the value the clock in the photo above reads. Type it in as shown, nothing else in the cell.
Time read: 3:56
